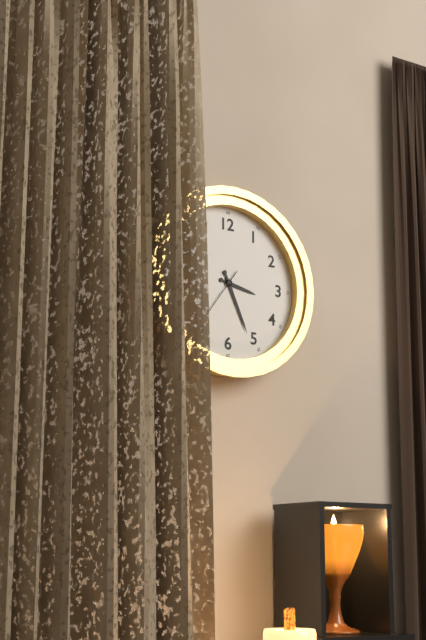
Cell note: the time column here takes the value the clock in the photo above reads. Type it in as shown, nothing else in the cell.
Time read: 3:26:36
